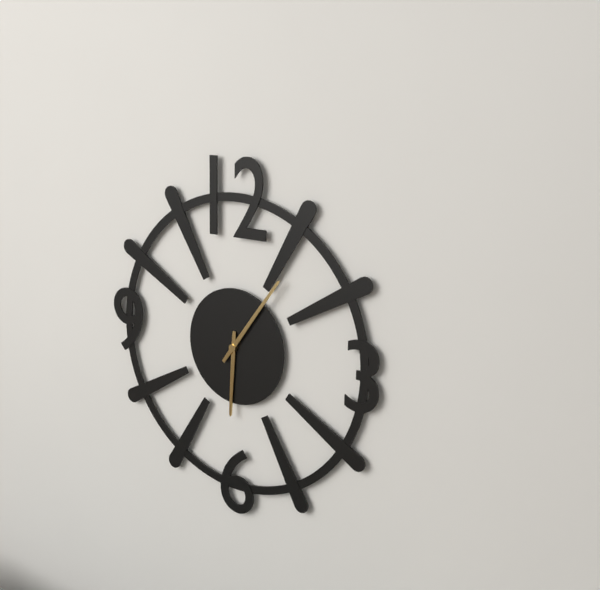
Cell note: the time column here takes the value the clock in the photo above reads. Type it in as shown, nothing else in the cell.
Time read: 6:06
